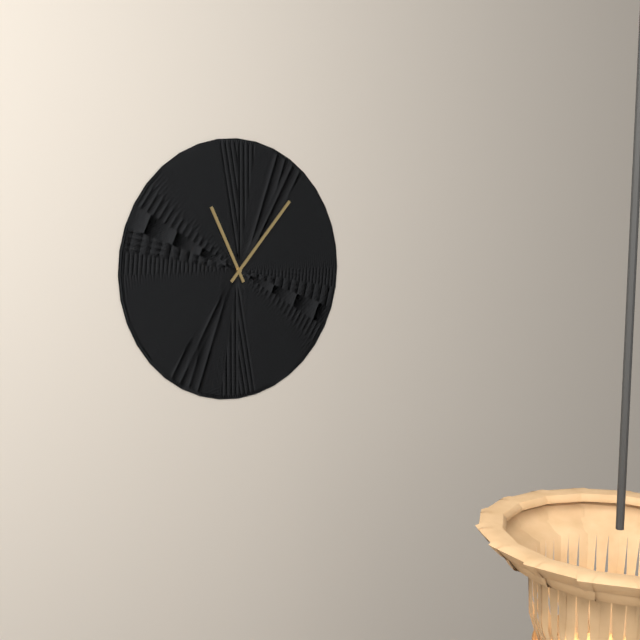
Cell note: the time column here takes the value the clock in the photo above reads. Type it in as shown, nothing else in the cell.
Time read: 11:07
